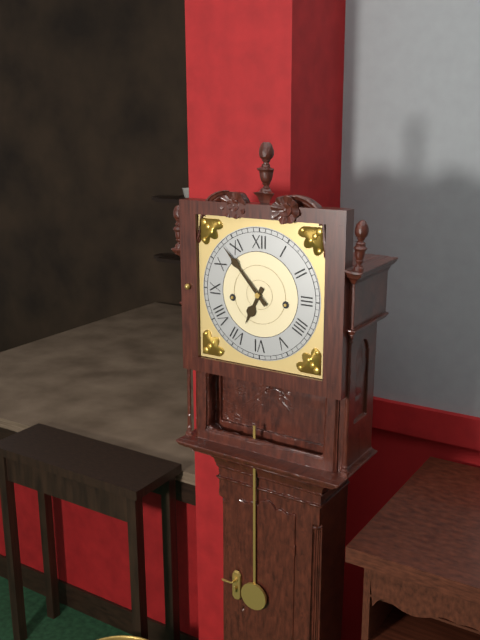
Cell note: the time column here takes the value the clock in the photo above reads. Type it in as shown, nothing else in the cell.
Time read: 6:53
